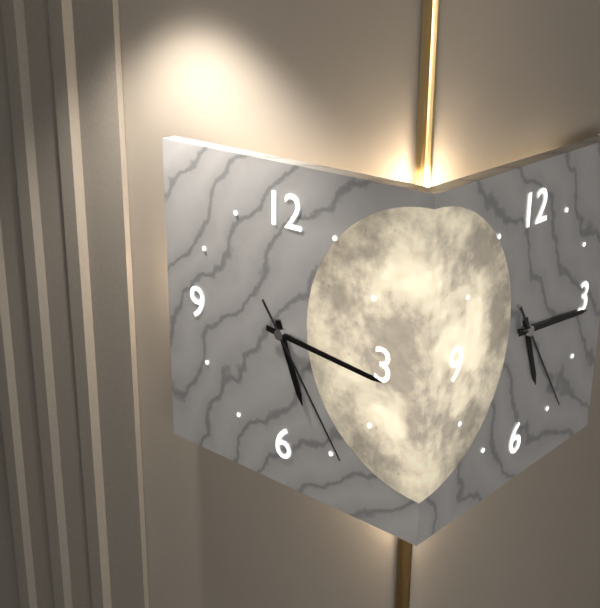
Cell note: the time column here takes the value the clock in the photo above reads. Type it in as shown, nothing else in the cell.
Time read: 5:16:24
